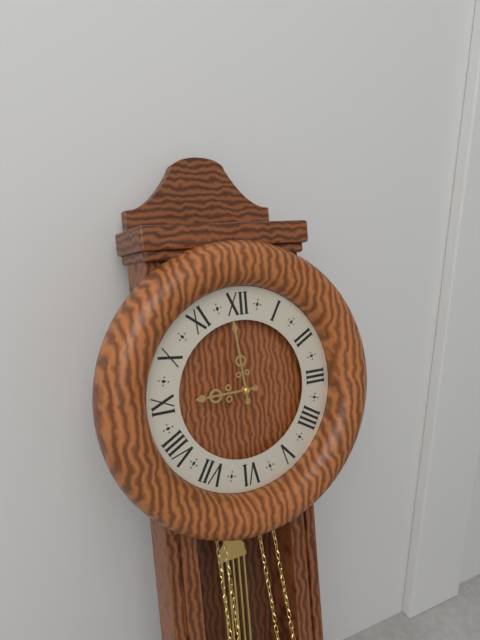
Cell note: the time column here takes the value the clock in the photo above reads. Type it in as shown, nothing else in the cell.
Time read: 8:59
